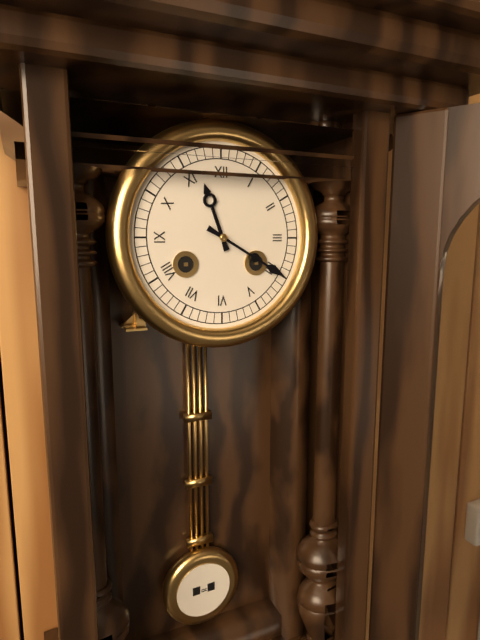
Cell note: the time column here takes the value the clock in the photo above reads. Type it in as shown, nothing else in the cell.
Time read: 11:20
